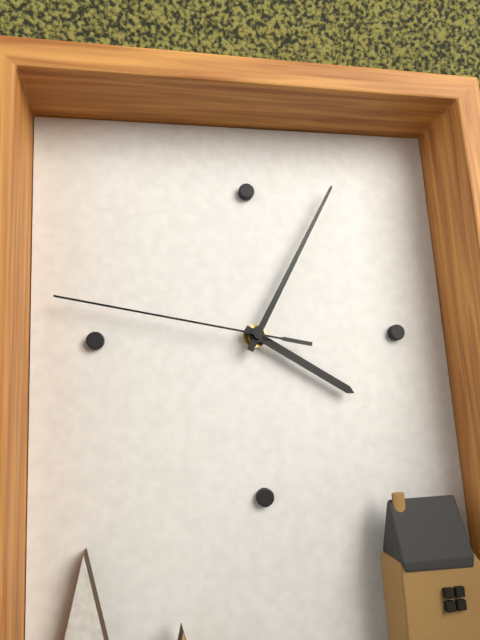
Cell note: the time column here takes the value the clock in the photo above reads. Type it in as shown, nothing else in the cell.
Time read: 4:05:47
